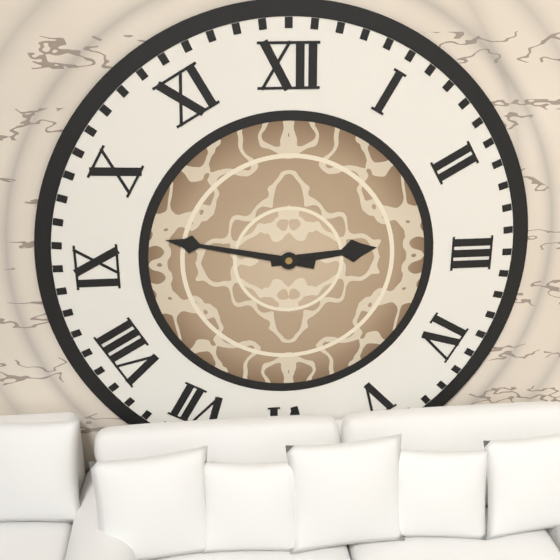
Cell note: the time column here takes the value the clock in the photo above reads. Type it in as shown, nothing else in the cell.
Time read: 2:47
